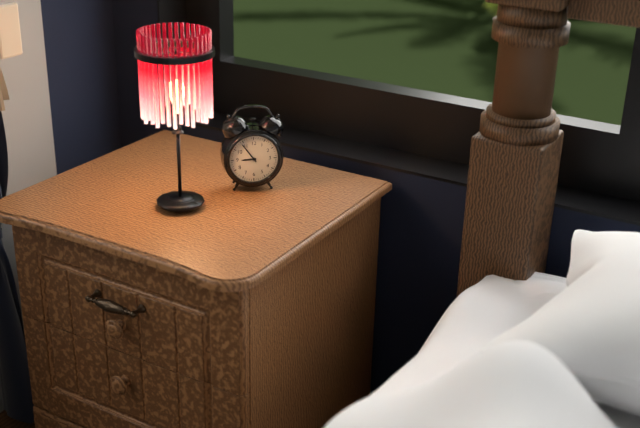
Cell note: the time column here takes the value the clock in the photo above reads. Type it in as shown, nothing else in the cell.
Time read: 8:54
